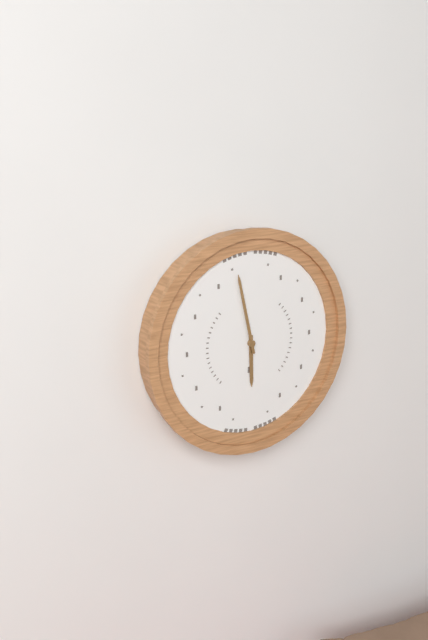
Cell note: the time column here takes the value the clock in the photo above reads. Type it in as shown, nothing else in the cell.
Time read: 5:58
